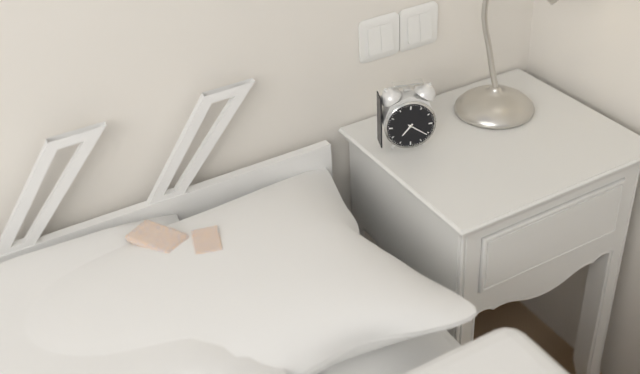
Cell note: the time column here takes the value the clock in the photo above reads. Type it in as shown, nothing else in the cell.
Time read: 7:21
